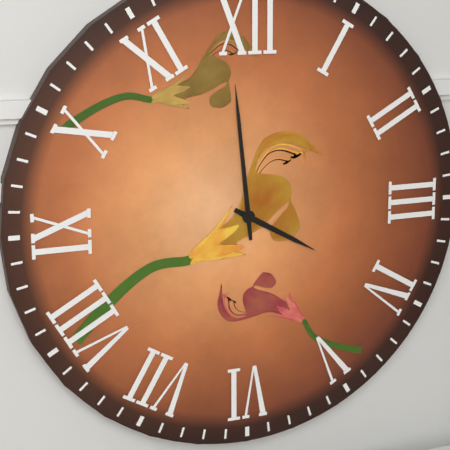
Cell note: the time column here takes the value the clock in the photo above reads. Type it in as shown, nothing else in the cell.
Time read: 3:59
